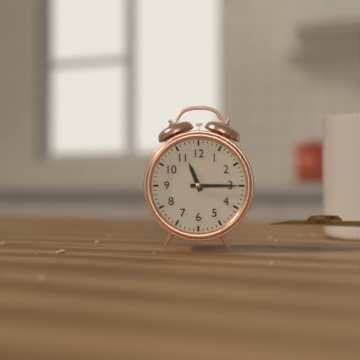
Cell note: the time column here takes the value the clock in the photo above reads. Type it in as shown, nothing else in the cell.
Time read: 11:15
